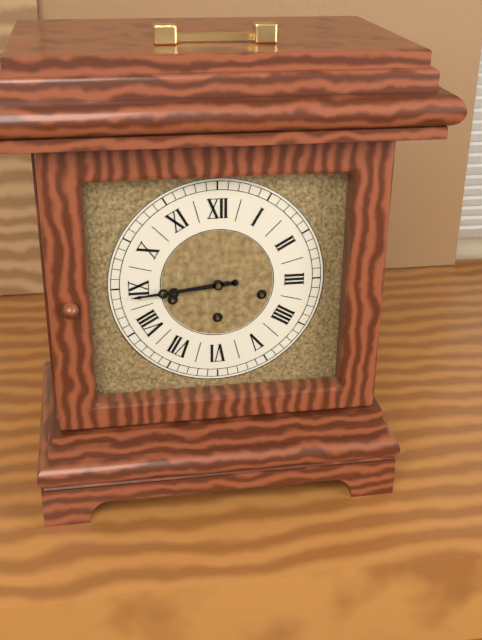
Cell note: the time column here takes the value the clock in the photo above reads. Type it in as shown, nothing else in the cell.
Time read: 8:44
